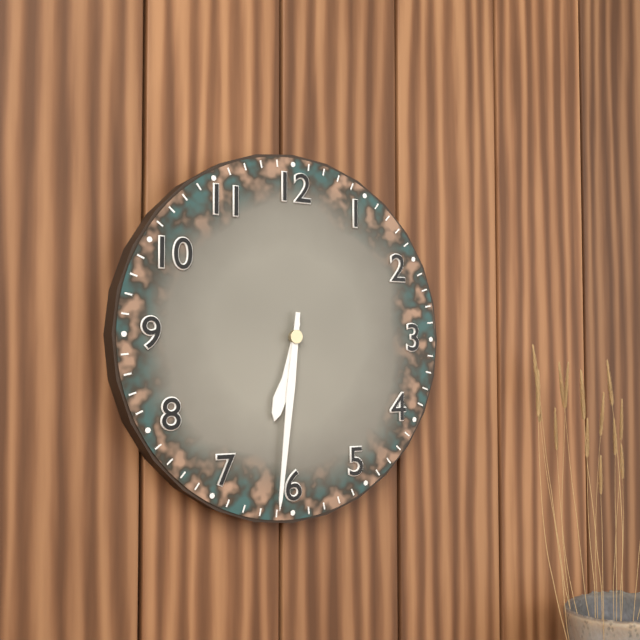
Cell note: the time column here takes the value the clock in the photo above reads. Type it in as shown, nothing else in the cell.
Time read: 6:31
